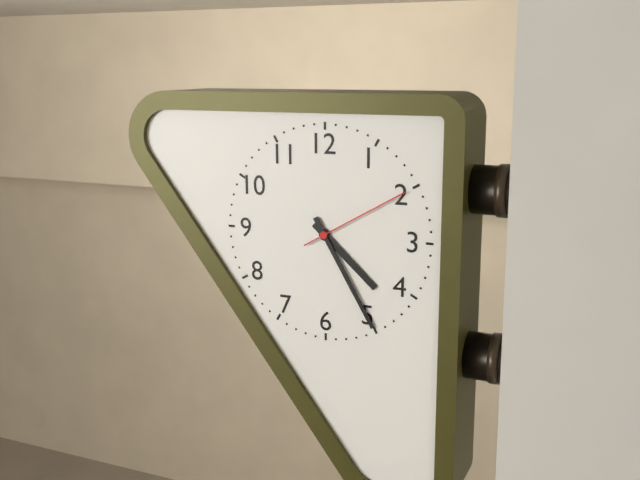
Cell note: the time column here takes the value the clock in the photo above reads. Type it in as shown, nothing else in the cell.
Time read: 4:25:10
